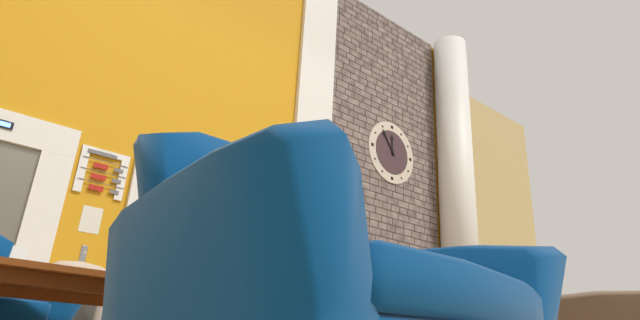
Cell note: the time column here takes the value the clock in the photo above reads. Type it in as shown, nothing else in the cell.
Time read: 11:54
